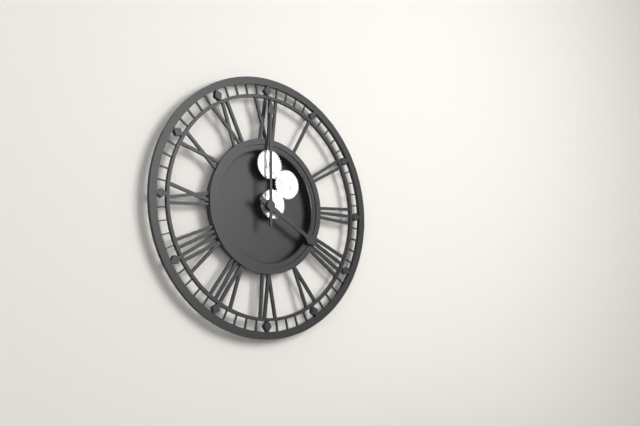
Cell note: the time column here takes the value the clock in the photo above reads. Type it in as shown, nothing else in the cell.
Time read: 4:00
